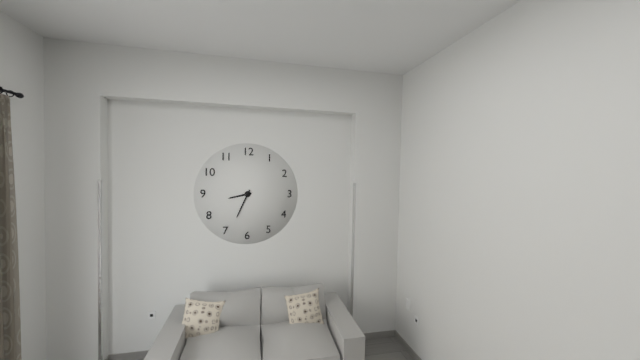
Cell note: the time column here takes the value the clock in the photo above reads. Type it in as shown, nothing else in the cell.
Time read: 8:34
